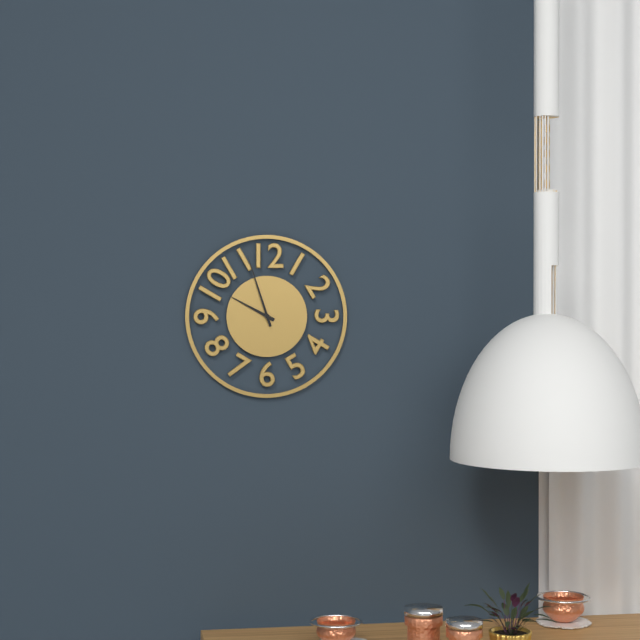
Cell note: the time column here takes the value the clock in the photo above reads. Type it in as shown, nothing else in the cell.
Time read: 9:57
